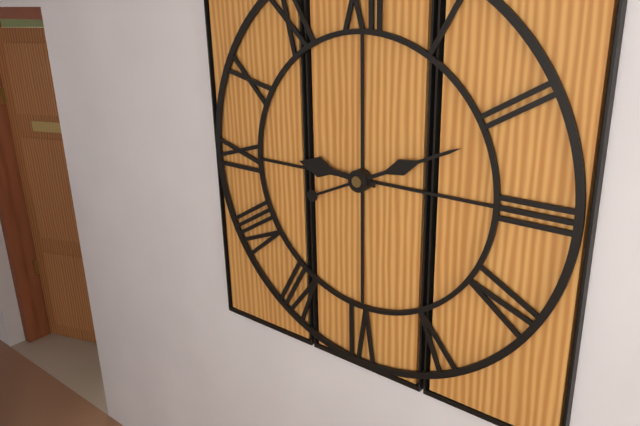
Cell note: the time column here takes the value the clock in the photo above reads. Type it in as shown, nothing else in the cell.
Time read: 9:11
